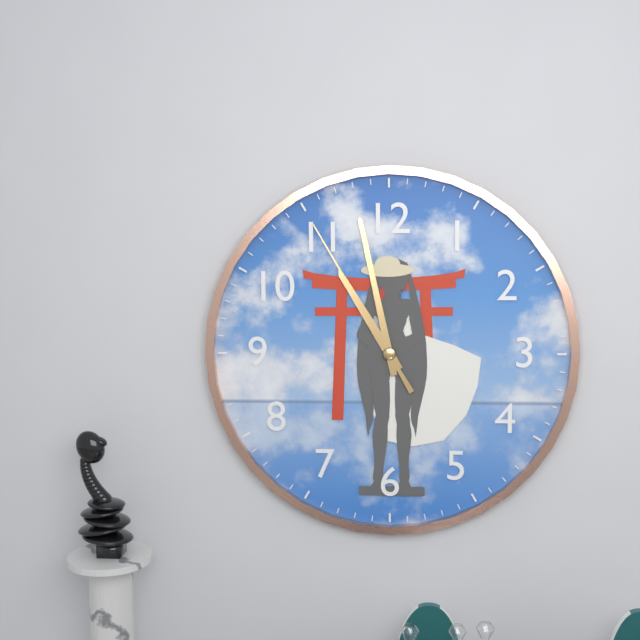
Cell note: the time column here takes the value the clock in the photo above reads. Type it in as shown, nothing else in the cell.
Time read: 10:58:55
